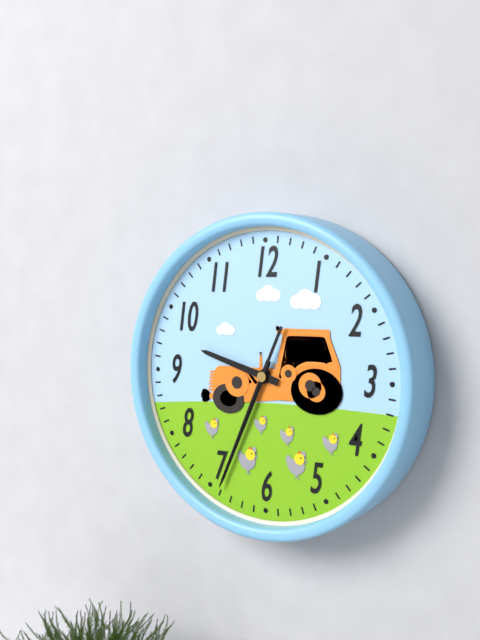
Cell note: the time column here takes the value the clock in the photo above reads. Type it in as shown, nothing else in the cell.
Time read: 9:34:34
